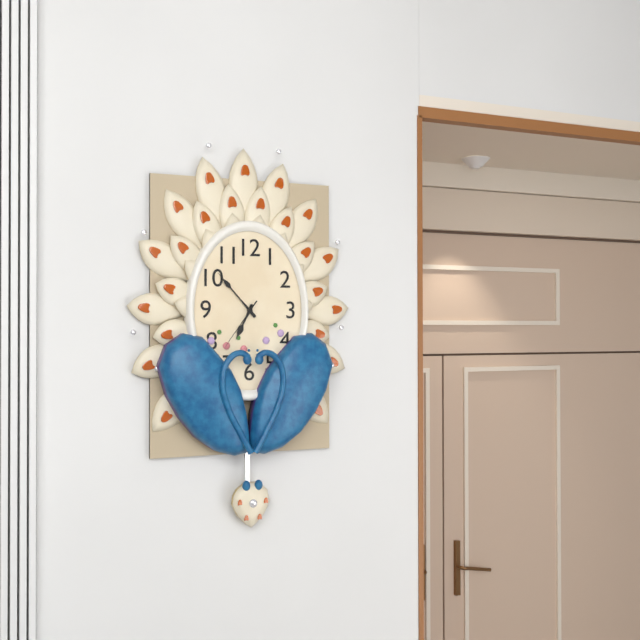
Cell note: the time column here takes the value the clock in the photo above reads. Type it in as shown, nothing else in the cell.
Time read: 6:53:36
